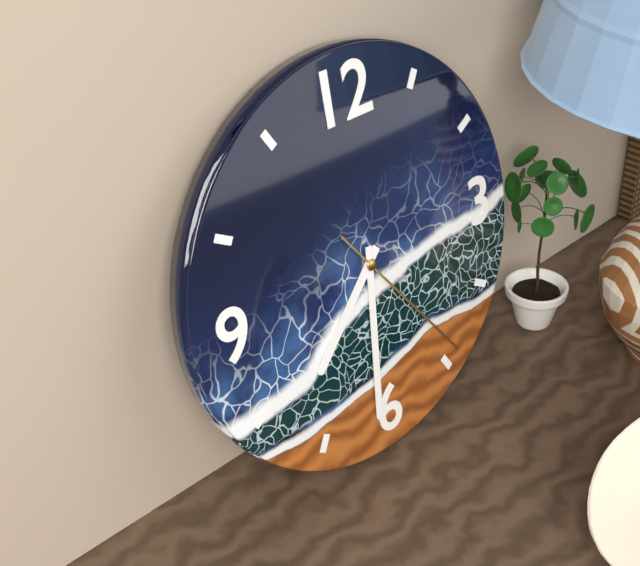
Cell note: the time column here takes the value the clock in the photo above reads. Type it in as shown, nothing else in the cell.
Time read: 7:31:24
